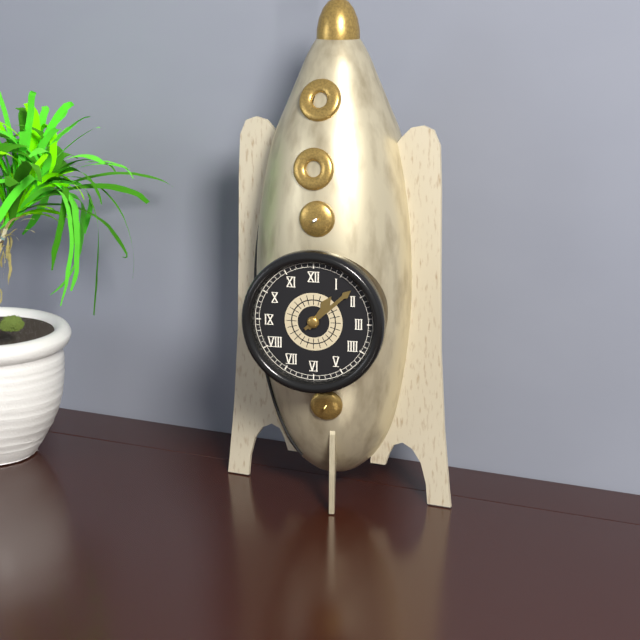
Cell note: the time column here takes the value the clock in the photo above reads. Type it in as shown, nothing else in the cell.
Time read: 1:08
